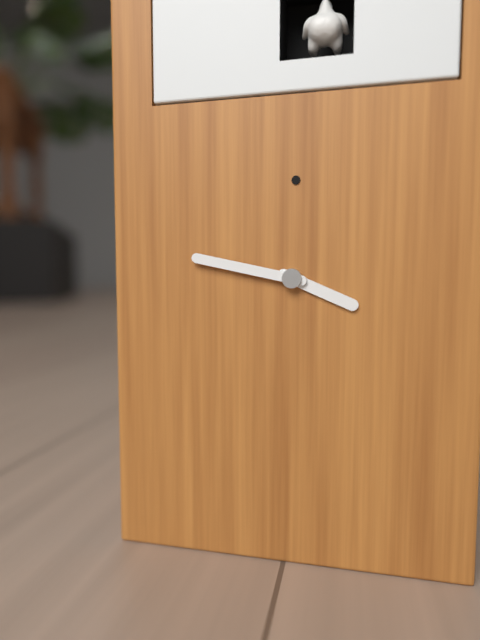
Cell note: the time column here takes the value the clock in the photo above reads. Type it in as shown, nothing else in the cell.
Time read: 3:47
